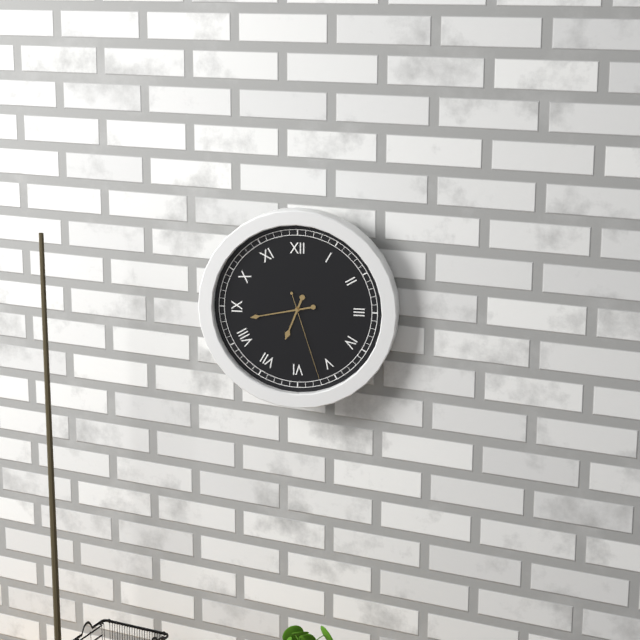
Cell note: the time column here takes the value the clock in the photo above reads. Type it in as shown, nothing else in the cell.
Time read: 6:43:27
